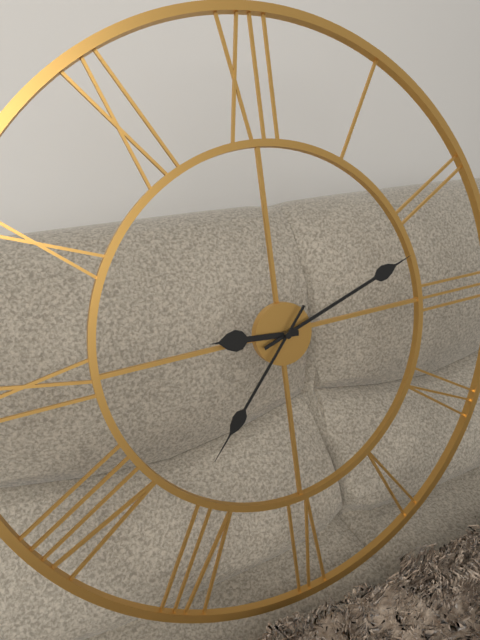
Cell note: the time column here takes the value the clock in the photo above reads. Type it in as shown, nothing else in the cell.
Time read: 9:12:37
